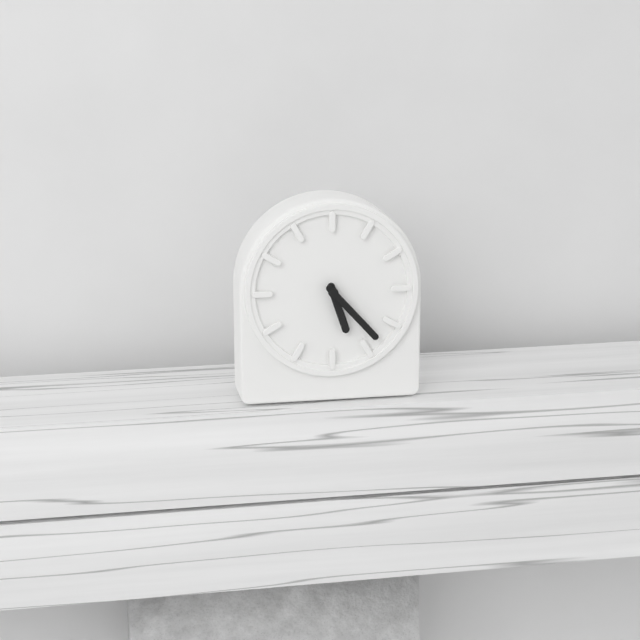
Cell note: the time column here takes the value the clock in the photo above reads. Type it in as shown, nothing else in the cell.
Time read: 5:23
